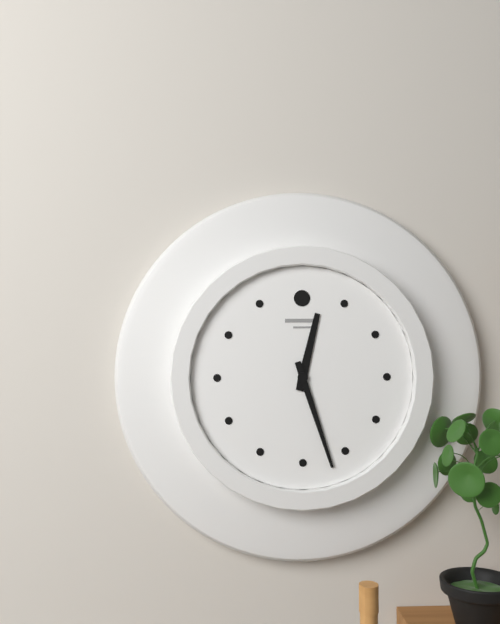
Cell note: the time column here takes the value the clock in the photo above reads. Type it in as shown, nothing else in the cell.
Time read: 12:27
